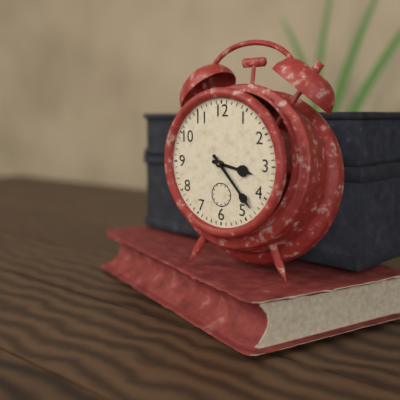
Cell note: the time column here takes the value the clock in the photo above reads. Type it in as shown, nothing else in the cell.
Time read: 3:23
